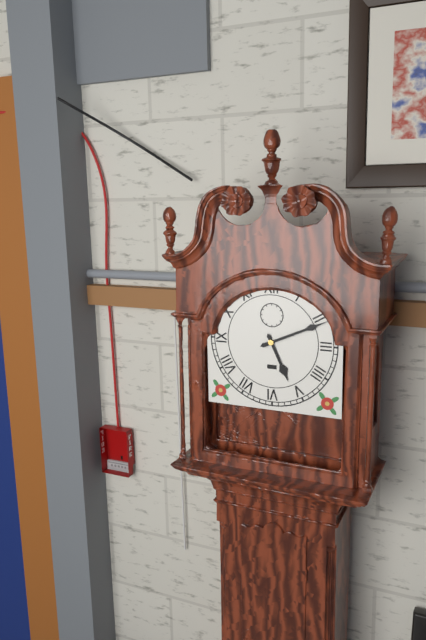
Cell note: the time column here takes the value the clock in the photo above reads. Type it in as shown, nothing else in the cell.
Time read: 5:11
